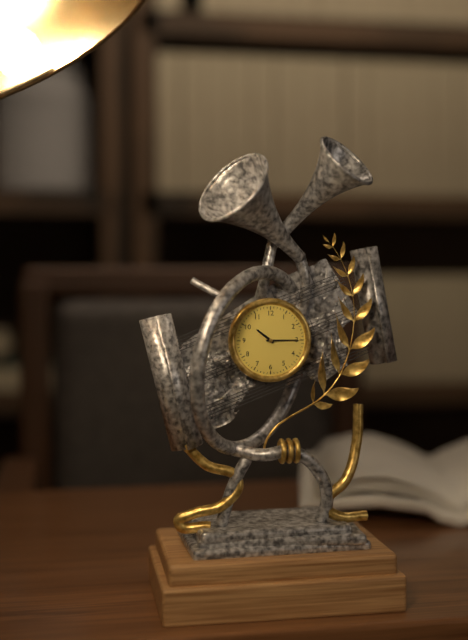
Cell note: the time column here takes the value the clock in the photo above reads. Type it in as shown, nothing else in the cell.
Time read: 10:15
